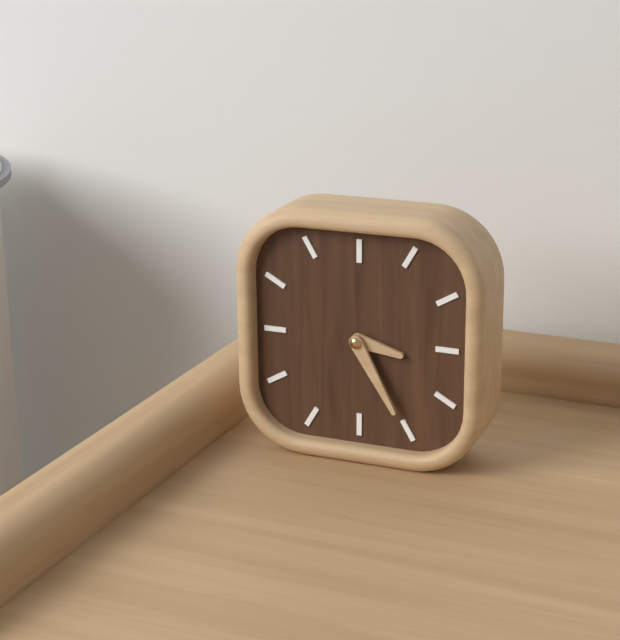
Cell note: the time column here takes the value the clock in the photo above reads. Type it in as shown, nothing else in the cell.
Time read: 3:25
